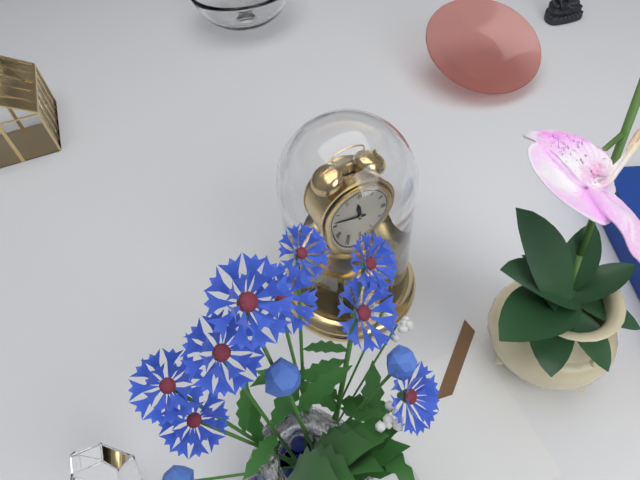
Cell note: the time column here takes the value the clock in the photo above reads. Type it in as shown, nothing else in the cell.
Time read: 11:47
